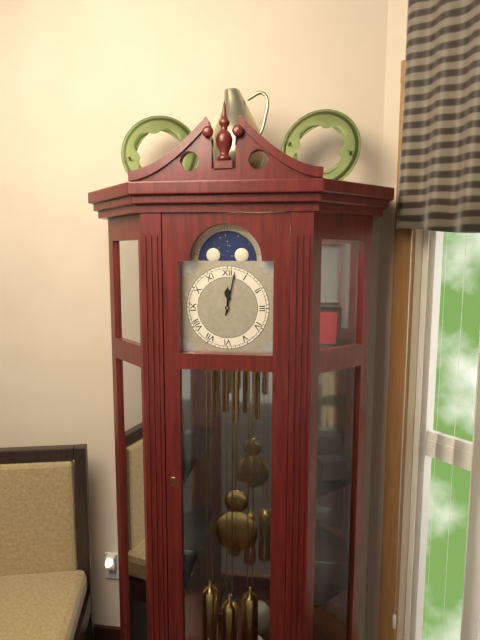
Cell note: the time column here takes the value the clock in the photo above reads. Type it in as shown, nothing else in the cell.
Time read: 12:02
